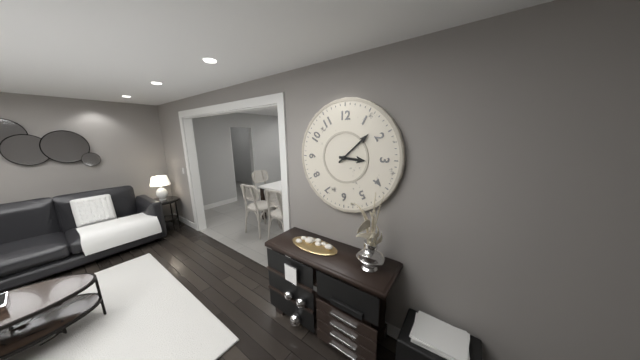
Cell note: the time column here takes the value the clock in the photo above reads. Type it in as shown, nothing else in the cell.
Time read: 3:08
